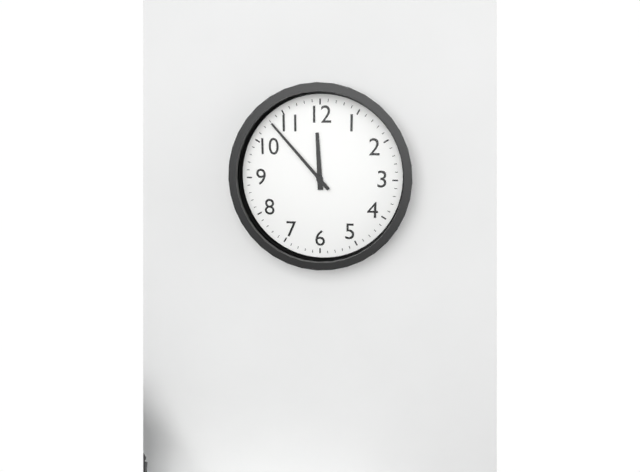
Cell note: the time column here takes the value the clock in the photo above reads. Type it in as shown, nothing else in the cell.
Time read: 11:53
